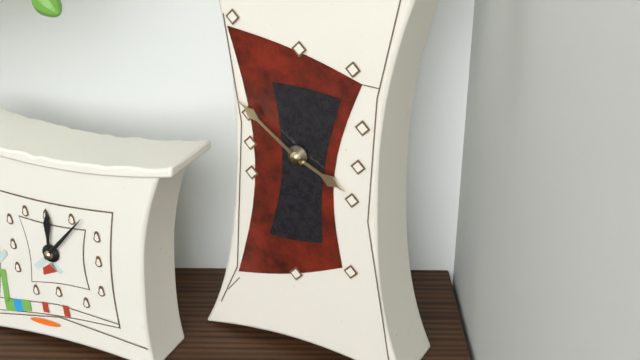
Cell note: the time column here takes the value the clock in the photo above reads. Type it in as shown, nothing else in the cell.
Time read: 3:51
